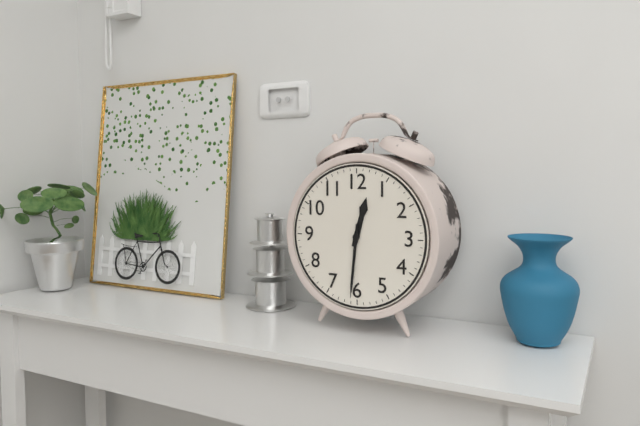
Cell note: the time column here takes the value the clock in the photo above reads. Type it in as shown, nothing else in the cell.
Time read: 12:31
